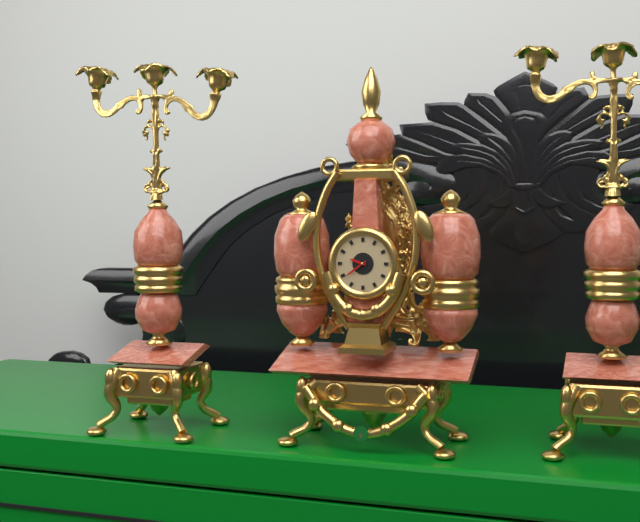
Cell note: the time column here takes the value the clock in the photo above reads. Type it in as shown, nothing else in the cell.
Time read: 9:39
